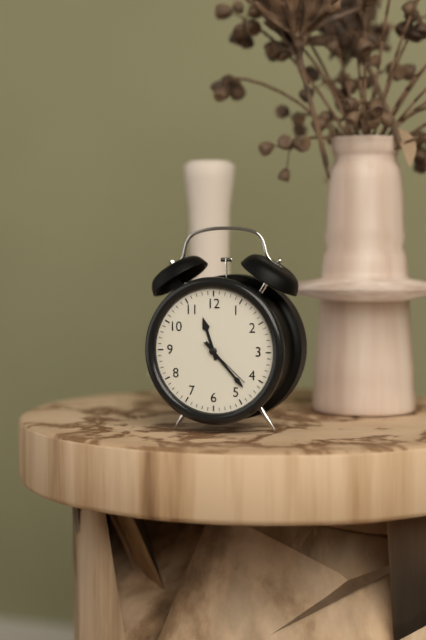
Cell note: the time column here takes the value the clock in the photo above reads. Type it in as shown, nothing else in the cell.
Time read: 11:23:22
